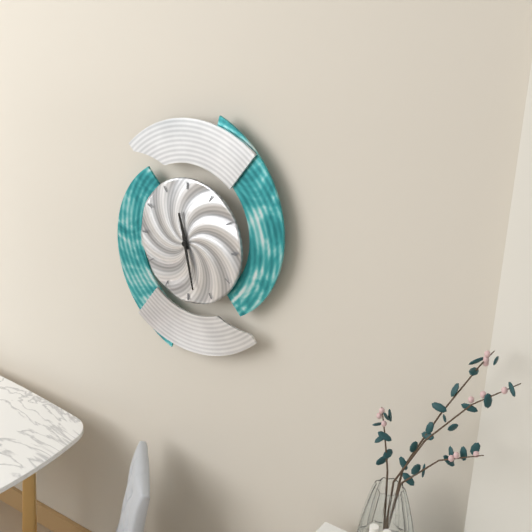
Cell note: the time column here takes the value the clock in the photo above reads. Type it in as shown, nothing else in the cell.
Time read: 11:28
